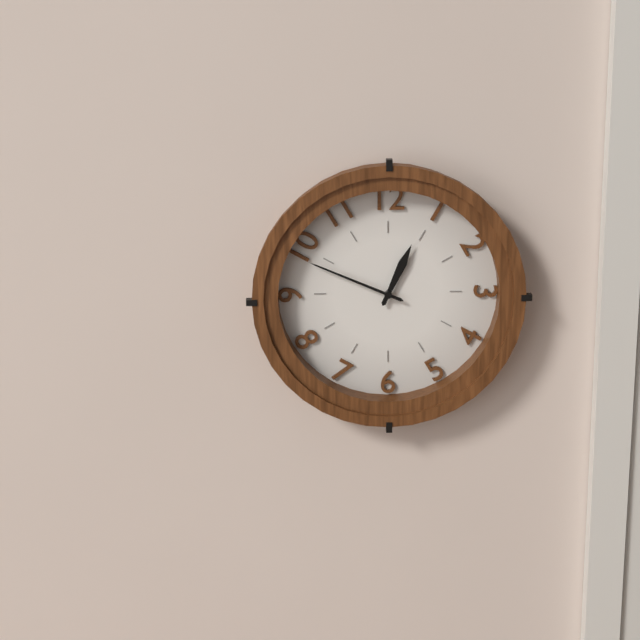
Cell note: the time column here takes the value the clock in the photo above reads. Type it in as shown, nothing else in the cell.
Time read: 12:49
